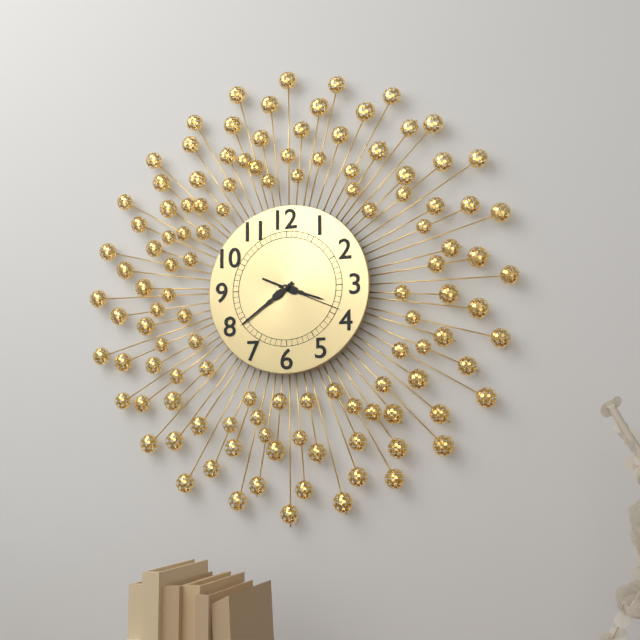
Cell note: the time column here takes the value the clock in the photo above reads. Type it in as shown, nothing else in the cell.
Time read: 3:39:19
